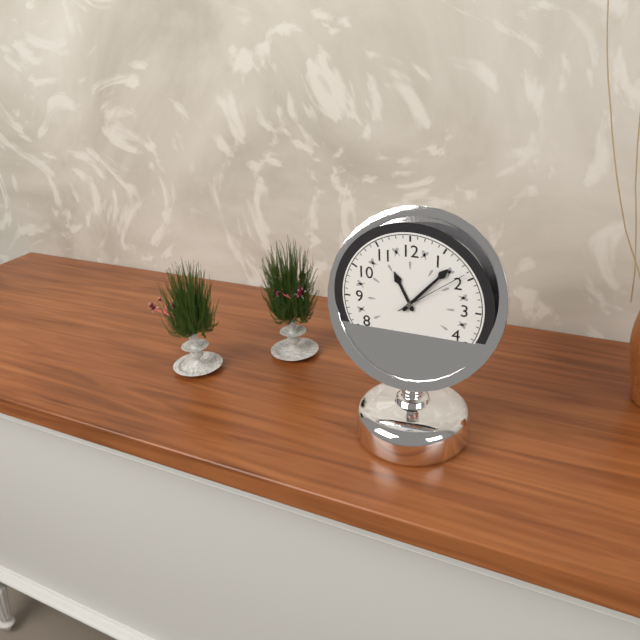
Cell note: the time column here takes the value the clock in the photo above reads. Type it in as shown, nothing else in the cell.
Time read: 11:07:09
